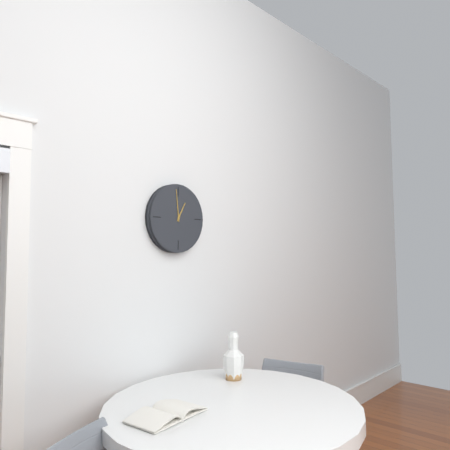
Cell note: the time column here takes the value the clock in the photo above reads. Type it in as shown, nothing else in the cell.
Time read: 12:59
